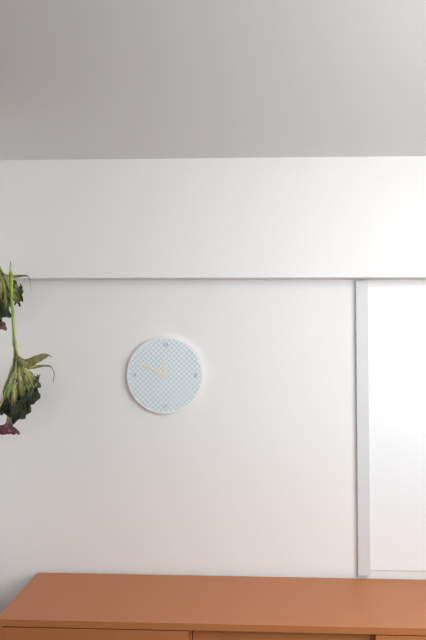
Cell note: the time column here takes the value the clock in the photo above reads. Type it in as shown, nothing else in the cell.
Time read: 11:49
